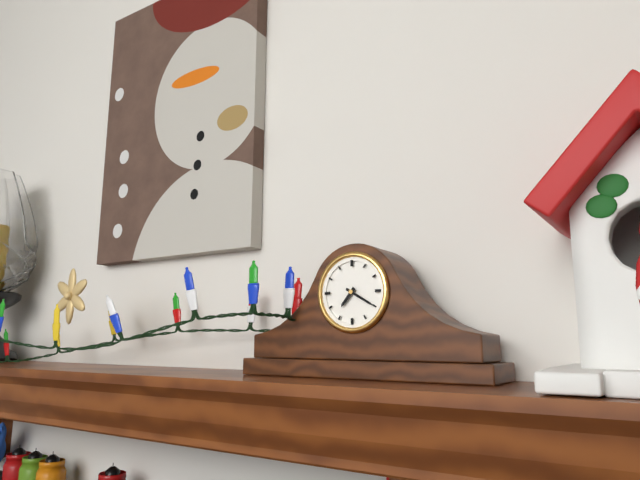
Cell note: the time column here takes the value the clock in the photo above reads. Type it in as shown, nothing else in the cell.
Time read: 7:20
